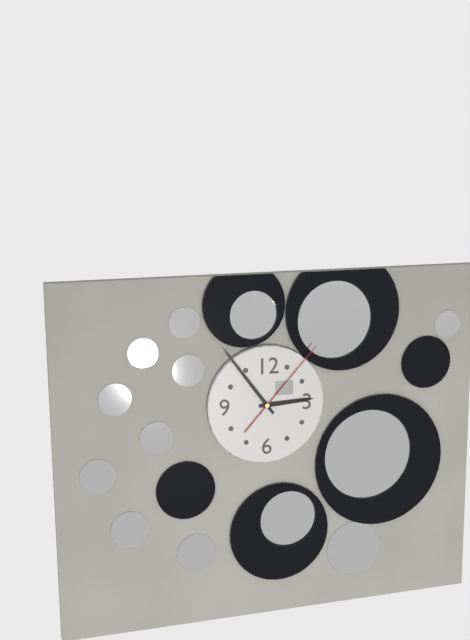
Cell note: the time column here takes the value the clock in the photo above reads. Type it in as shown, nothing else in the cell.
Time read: 2:54:07
